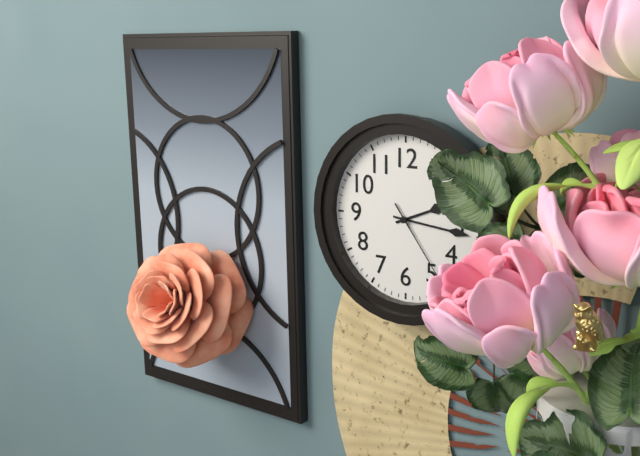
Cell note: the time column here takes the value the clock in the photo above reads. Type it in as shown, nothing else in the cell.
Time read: 2:16:24
